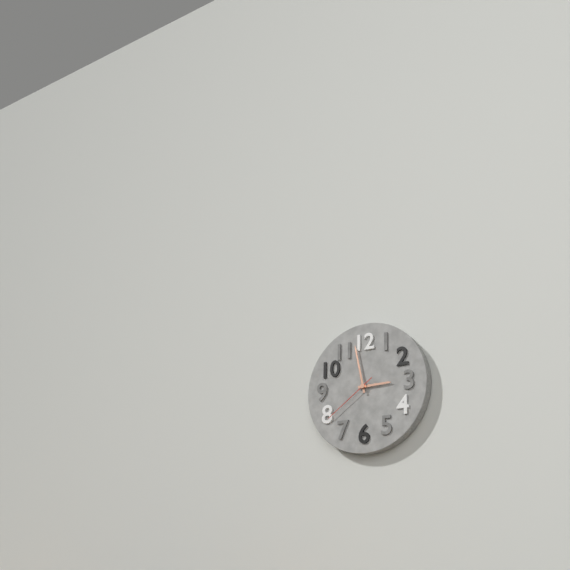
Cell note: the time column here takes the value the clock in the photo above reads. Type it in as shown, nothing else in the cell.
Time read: 2:58:39
